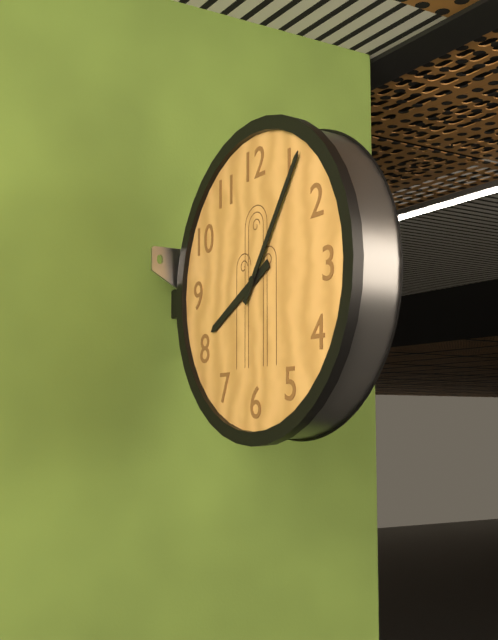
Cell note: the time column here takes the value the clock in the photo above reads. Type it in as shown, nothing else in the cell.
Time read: 8:06
